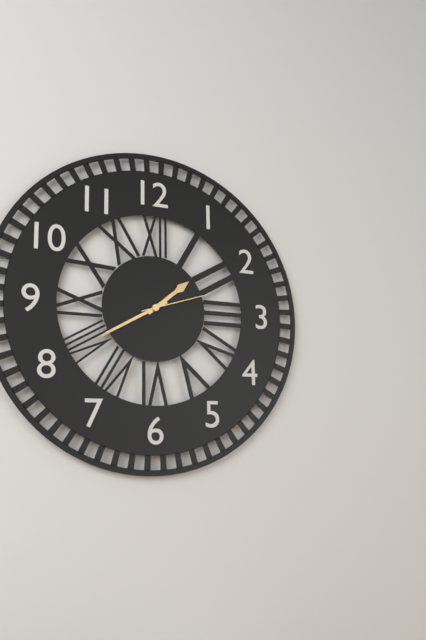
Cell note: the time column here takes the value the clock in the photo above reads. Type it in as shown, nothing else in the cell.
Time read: 1:40:12
